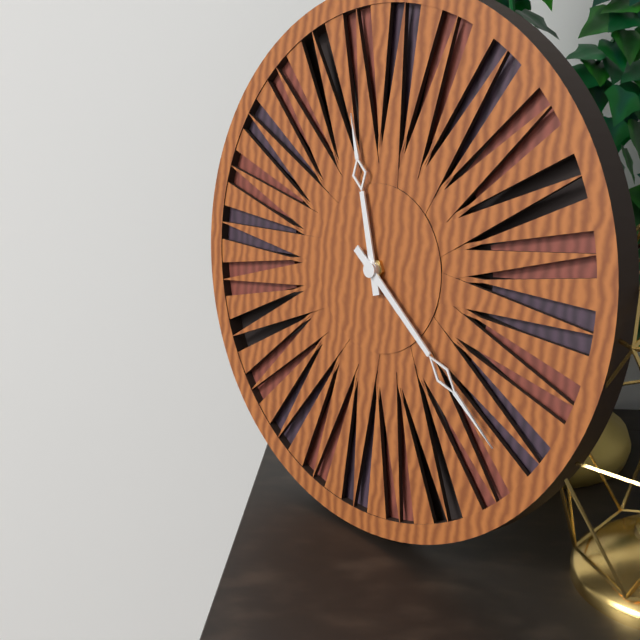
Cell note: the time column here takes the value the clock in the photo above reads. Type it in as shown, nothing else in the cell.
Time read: 11:21
